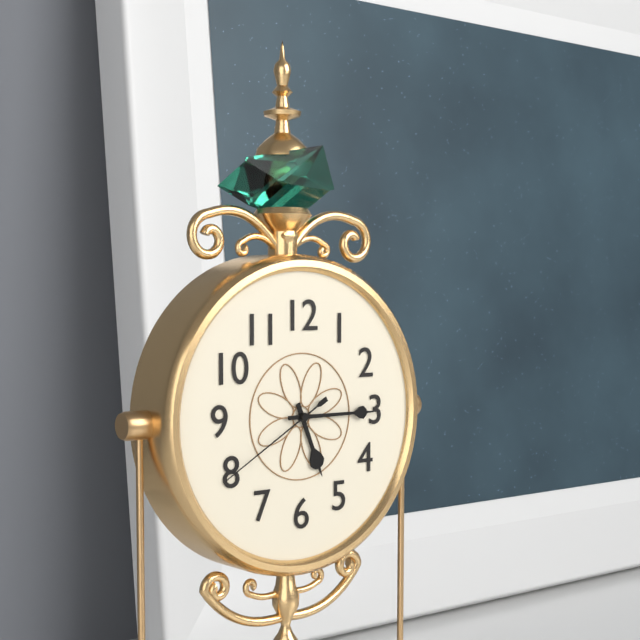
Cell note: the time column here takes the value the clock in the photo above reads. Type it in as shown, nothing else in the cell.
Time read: 5:15:40
